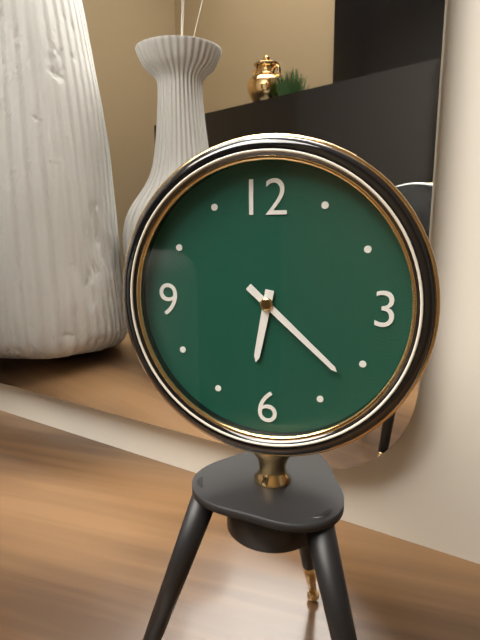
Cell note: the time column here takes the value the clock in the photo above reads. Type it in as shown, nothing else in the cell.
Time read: 6:22
